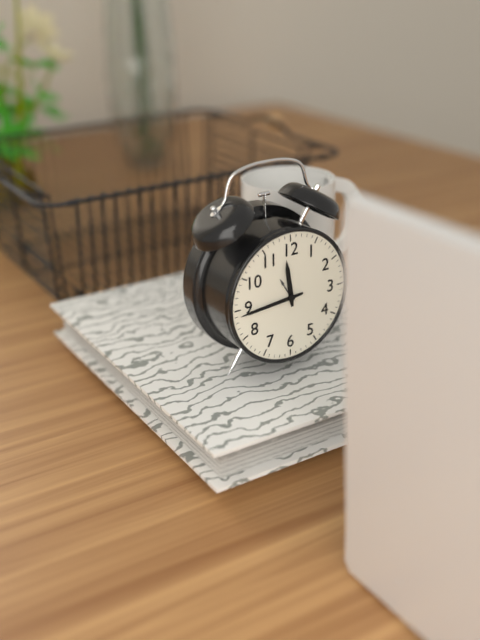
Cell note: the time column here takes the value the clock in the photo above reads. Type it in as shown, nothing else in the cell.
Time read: 11:44
